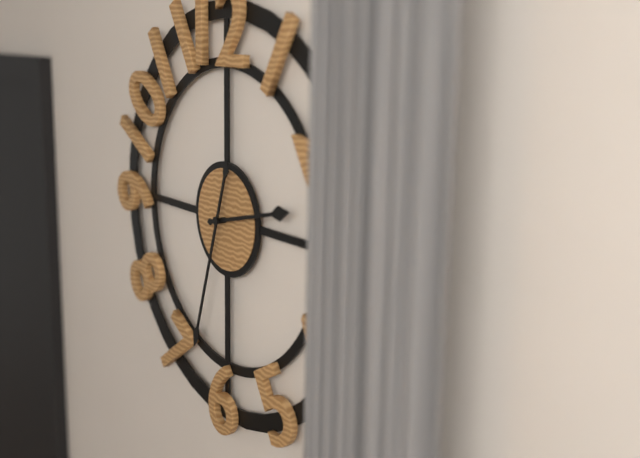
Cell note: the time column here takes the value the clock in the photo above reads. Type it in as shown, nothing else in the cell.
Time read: 2:33
